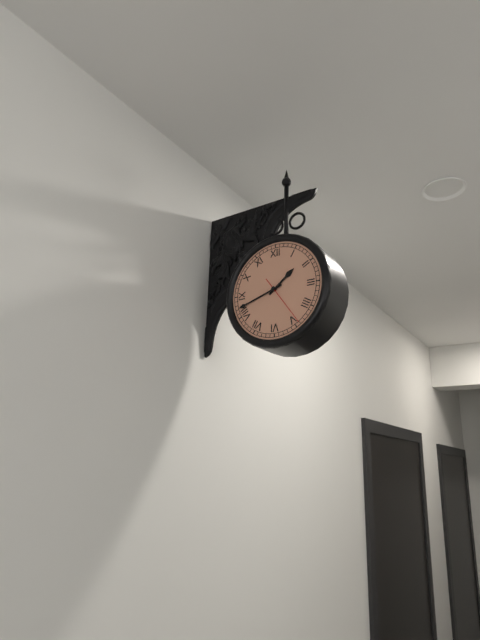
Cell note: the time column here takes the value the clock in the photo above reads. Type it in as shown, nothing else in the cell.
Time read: 1:42
